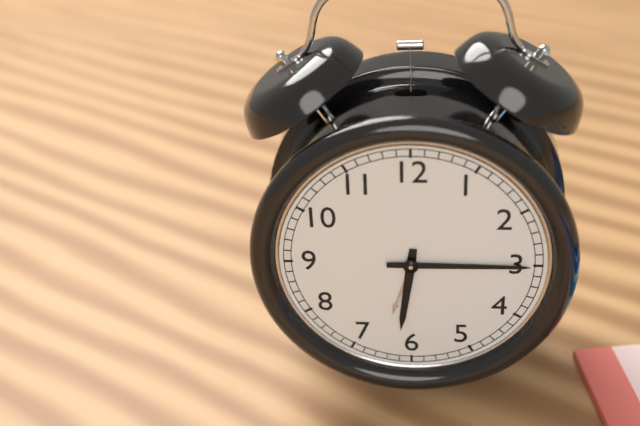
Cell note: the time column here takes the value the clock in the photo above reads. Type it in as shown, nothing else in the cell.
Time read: 6:15
